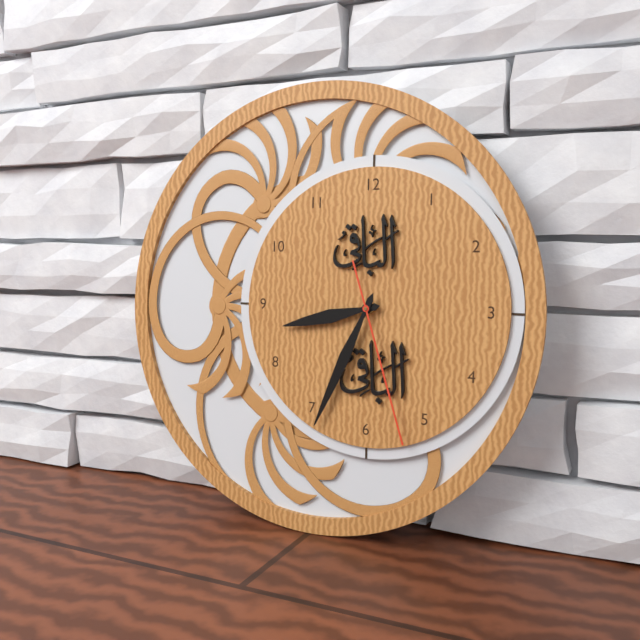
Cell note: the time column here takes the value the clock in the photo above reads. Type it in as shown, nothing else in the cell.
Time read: 8:34:27
